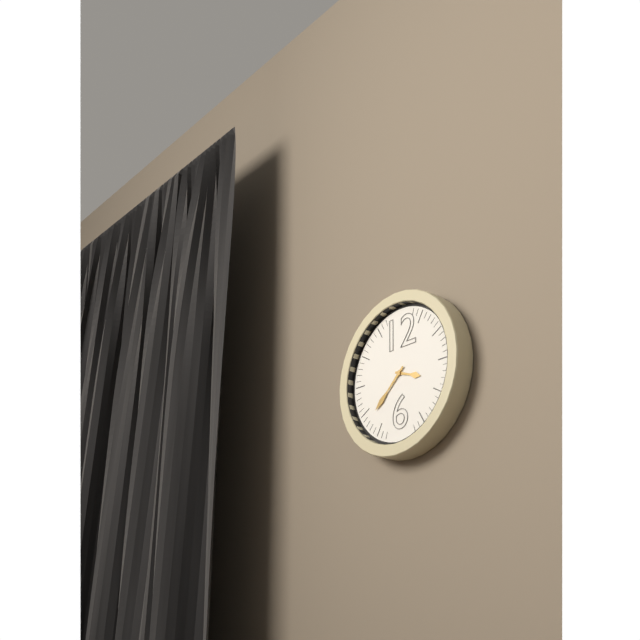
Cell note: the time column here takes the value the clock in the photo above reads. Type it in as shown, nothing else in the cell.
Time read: 3:38
